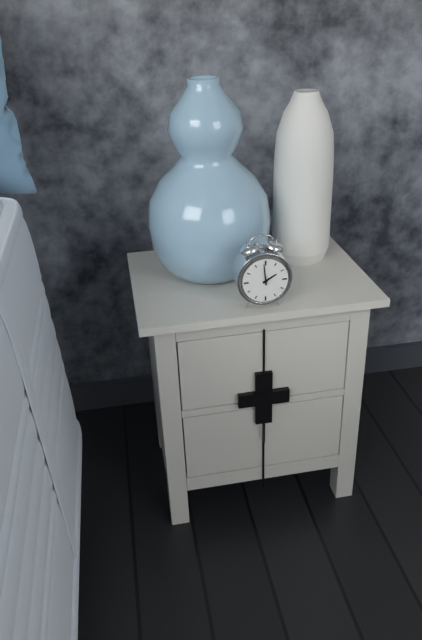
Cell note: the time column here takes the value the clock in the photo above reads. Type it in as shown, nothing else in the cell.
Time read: 1:59
